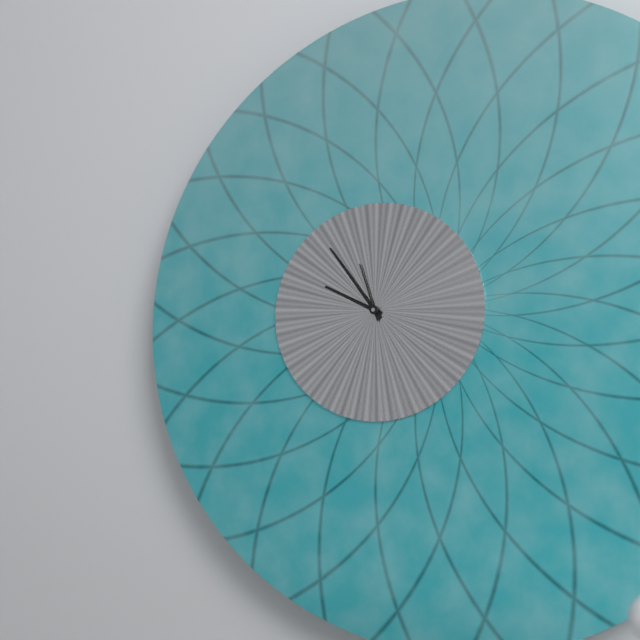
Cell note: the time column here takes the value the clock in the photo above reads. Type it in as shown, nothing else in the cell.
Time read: 9:54:57
